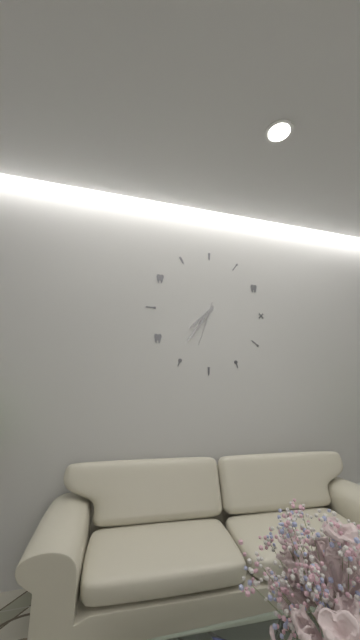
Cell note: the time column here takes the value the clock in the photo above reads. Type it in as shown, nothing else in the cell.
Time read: 7:36
